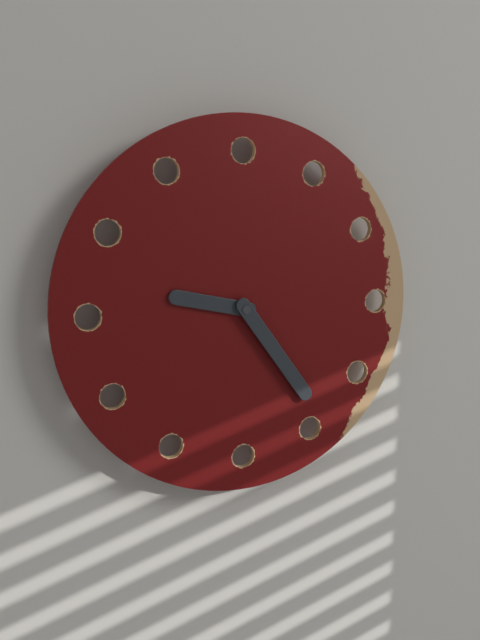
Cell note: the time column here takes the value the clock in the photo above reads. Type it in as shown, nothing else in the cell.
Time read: 9:24
